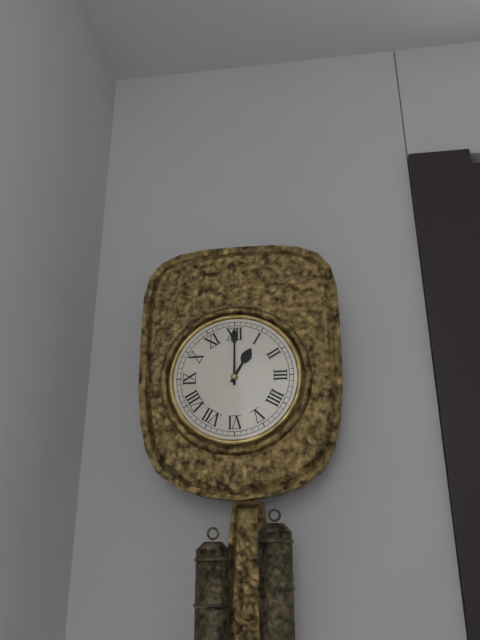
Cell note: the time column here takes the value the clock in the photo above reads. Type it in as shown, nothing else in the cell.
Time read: 1:00
